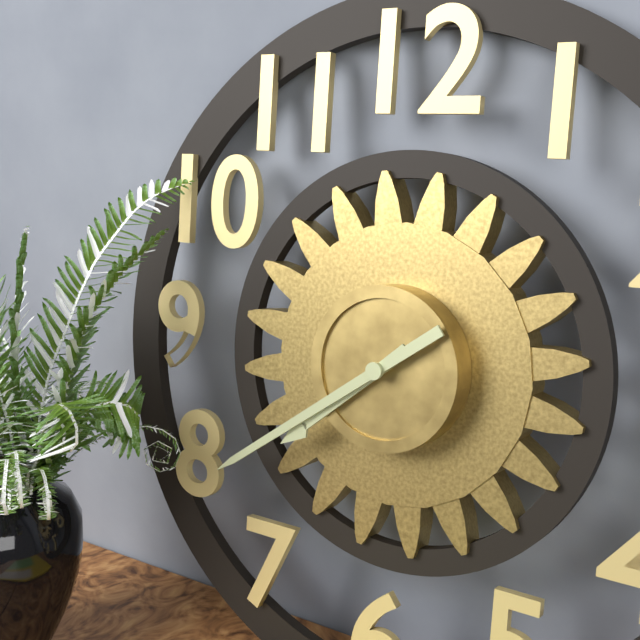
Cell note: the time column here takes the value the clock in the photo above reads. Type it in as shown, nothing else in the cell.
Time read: 7:39
